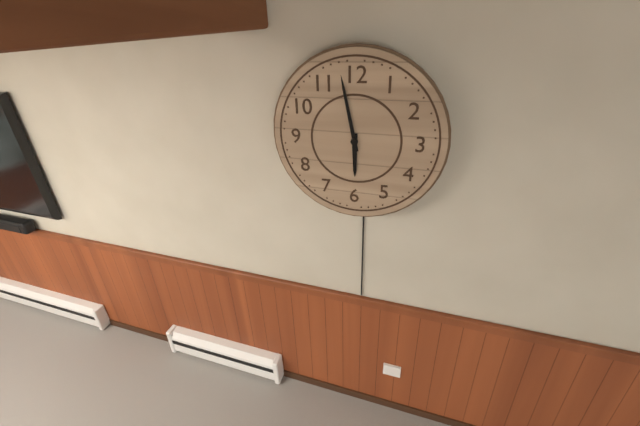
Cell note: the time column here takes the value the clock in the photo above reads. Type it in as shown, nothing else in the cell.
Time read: 5:58
